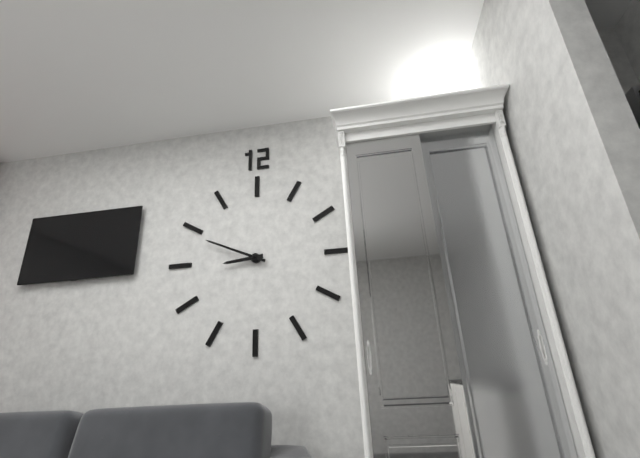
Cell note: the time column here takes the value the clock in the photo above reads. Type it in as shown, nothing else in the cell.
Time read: 8:49
